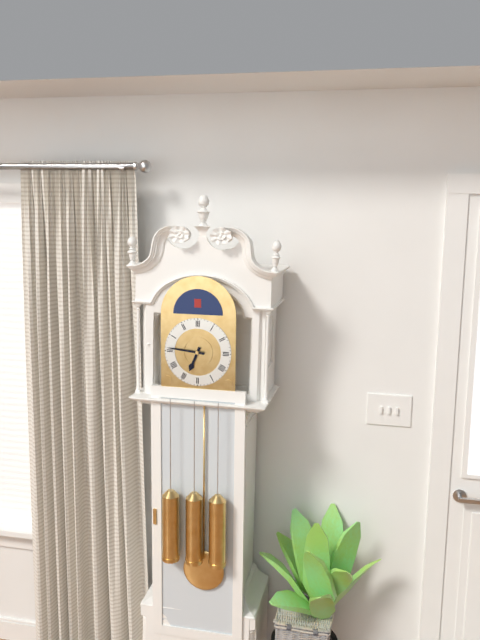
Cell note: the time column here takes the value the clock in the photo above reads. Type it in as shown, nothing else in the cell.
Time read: 6:46
